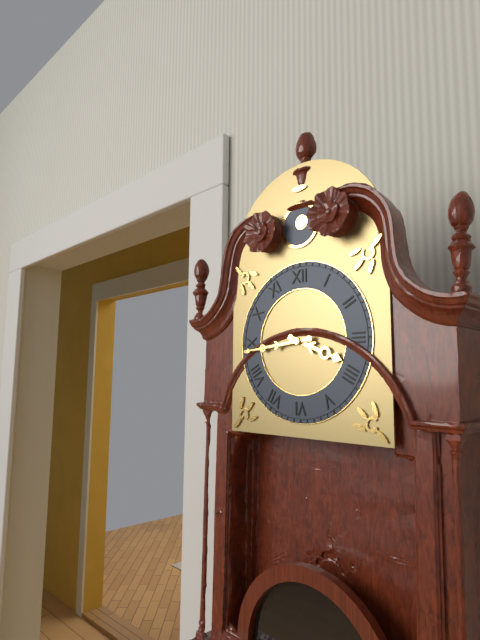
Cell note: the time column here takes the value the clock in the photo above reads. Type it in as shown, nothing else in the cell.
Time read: 3:44
